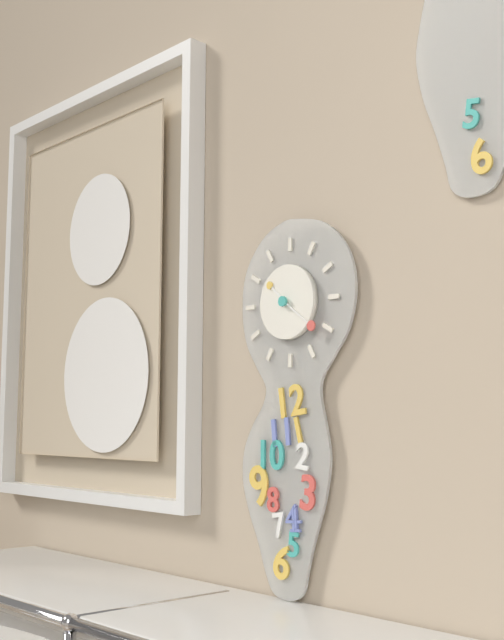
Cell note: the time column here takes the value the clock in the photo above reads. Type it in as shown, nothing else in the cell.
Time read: 10:21
